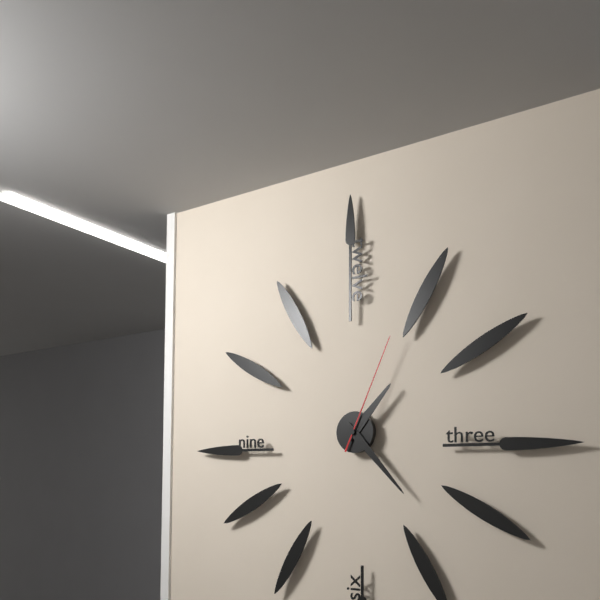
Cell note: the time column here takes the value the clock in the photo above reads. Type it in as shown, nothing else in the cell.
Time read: 1:23:04
